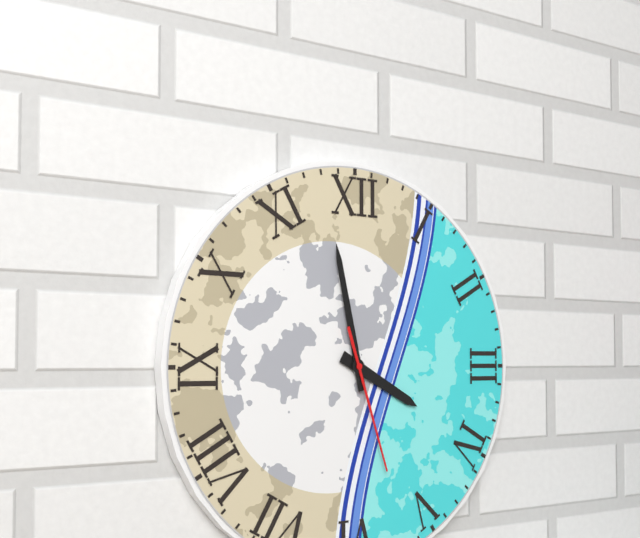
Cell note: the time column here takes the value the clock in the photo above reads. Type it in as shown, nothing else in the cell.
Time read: 3:58:27
